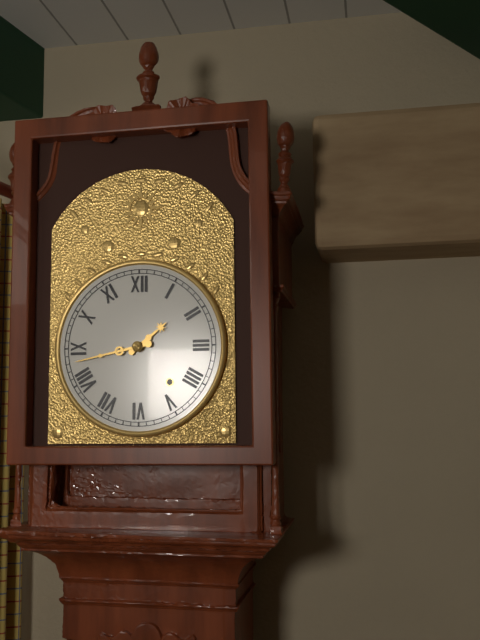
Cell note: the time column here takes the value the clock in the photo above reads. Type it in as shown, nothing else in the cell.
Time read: 1:43
